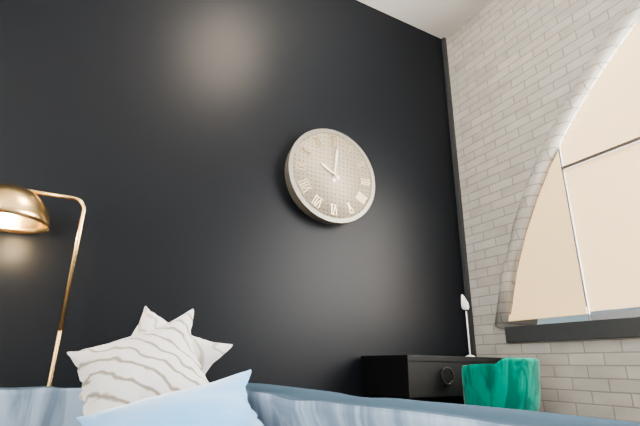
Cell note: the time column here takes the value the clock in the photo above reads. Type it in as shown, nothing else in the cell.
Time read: 10:01
